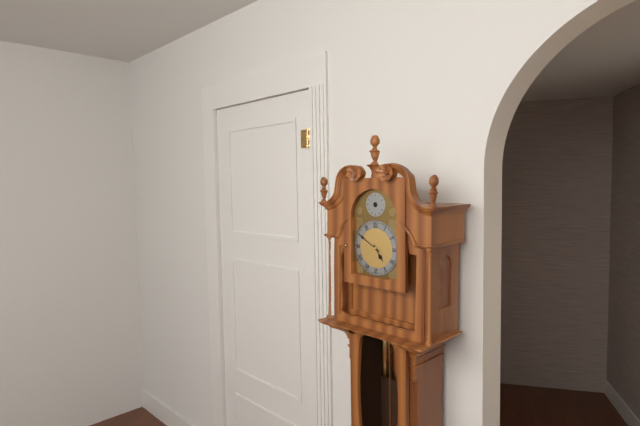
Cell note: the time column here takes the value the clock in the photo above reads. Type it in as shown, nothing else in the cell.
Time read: 4:50
